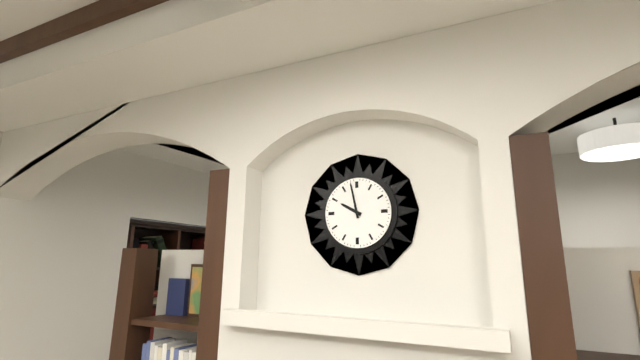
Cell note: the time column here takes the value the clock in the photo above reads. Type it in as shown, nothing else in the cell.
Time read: 9:58
